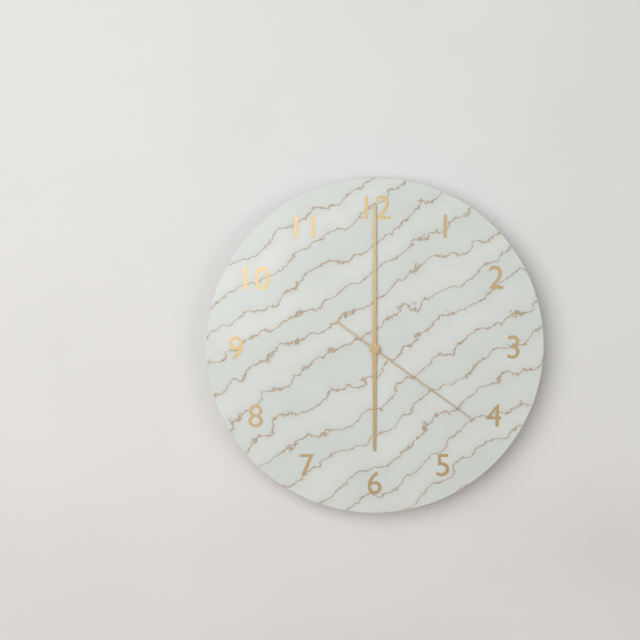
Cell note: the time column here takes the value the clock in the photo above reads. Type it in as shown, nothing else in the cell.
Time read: 6:00:21
